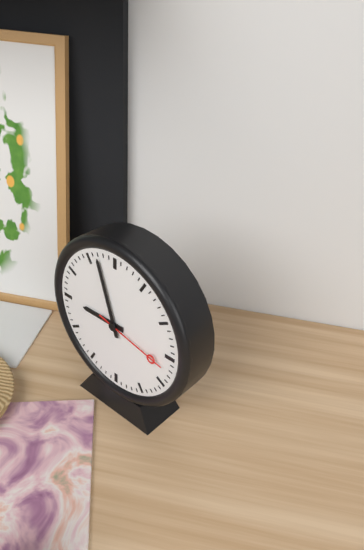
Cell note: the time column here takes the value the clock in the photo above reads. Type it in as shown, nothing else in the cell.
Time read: 8:57:17
